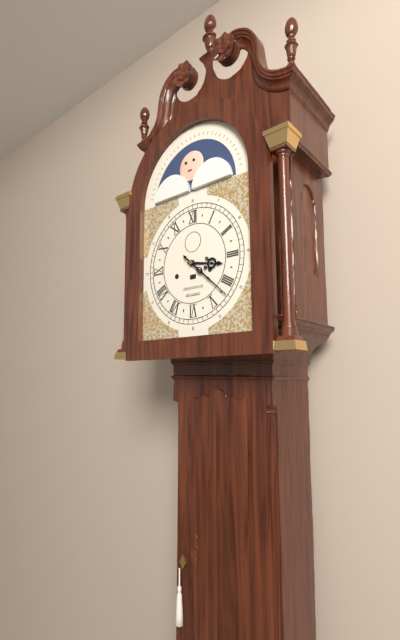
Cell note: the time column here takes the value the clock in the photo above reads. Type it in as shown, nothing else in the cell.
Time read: 3:22
